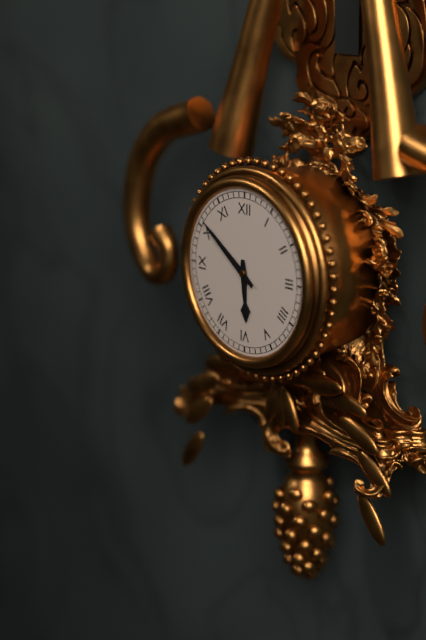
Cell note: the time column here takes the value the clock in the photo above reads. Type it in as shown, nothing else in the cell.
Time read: 5:51
